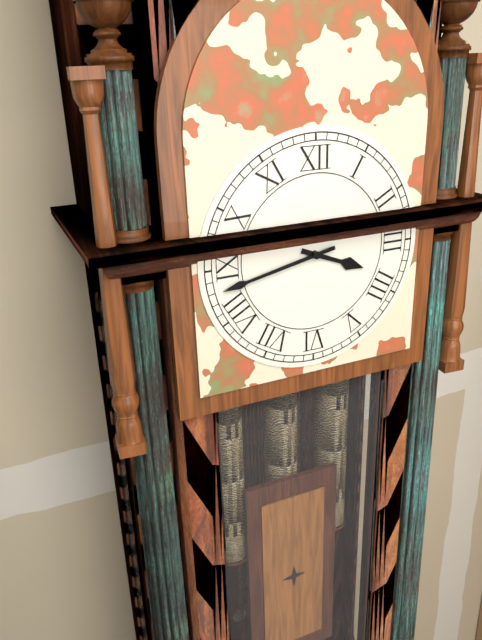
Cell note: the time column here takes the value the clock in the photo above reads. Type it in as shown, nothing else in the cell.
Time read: 3:43
